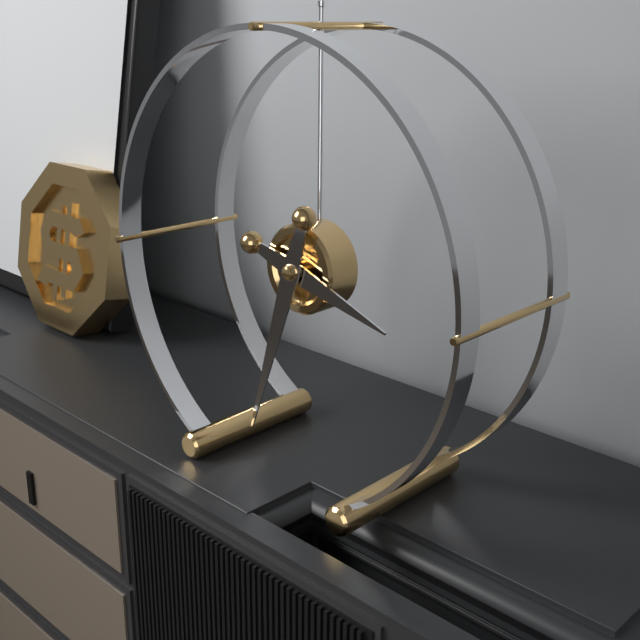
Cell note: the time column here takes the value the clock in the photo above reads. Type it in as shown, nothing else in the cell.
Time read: 3:33
